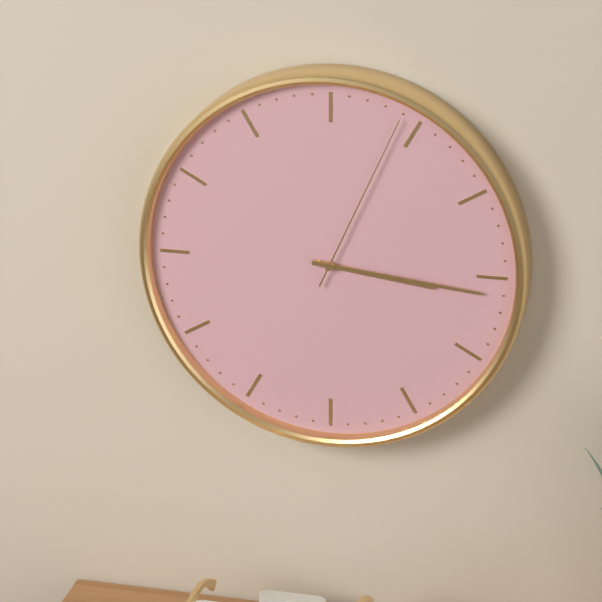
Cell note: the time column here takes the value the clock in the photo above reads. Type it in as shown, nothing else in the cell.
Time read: 3:16:04
